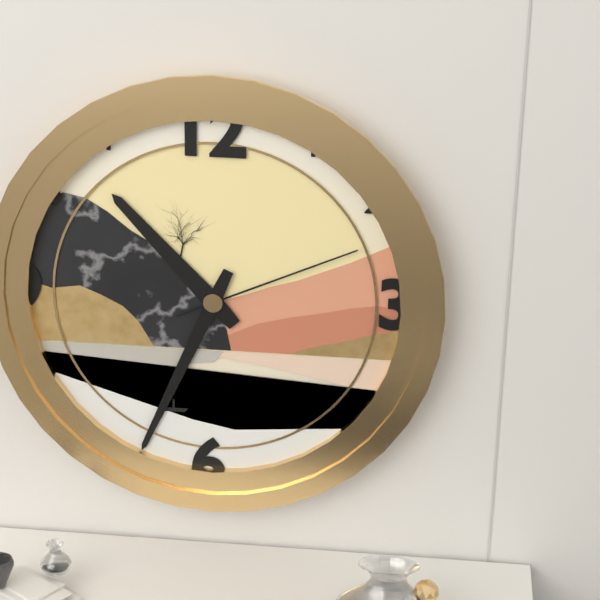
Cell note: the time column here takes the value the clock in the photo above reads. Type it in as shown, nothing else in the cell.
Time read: 10:34:11
